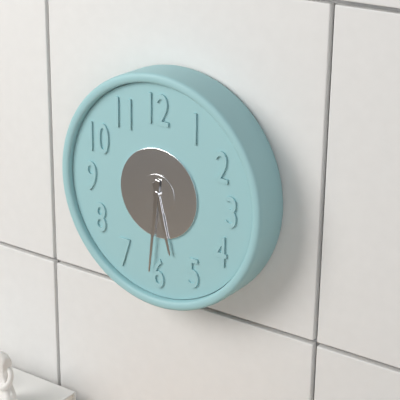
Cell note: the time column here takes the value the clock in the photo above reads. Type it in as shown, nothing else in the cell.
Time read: 5:31
